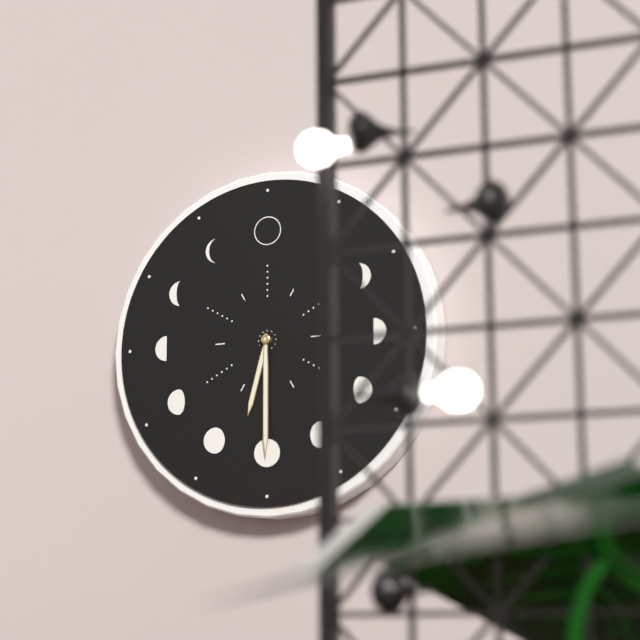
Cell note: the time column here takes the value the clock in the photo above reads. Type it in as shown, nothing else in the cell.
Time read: 6:30
